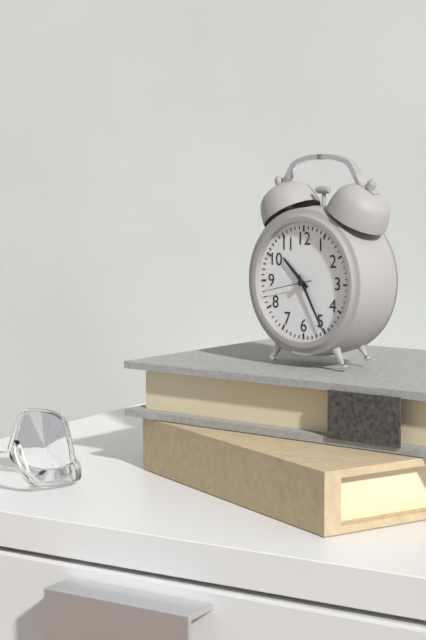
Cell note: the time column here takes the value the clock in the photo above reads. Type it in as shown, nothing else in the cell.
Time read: 10:25
